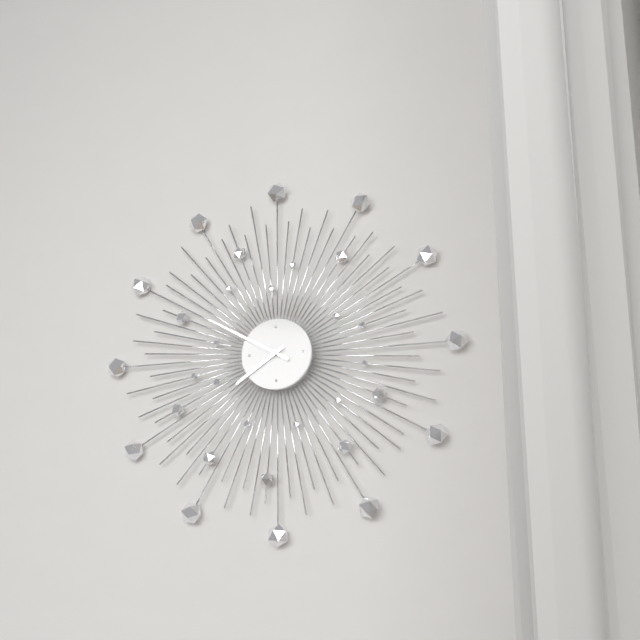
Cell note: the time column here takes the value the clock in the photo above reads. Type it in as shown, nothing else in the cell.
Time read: 7:50
